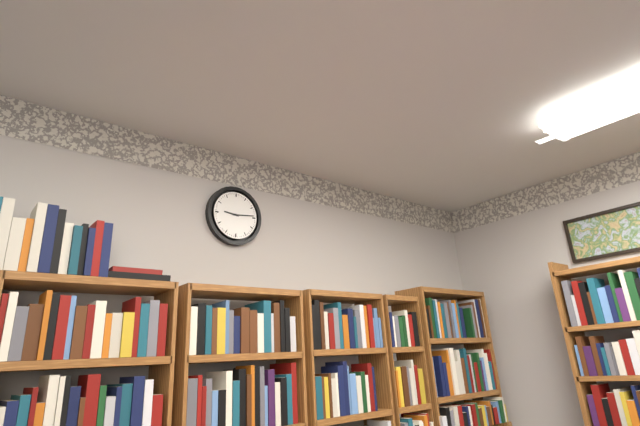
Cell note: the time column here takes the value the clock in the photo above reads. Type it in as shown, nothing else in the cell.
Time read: 9:14
